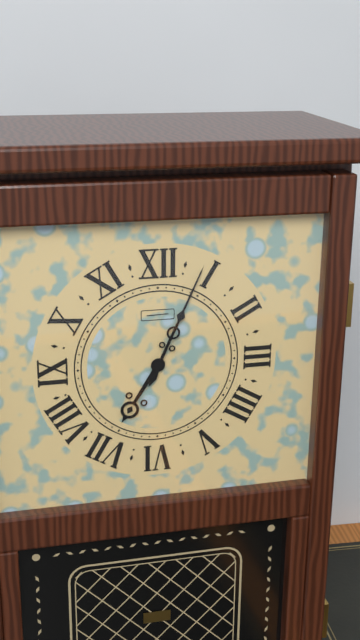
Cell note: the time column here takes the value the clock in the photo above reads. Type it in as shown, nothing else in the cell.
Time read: 7:04
